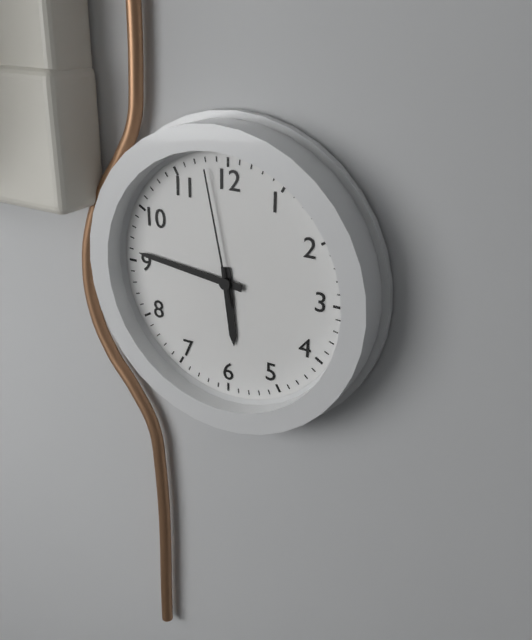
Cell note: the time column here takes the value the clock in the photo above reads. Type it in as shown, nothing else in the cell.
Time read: 5:46:58
